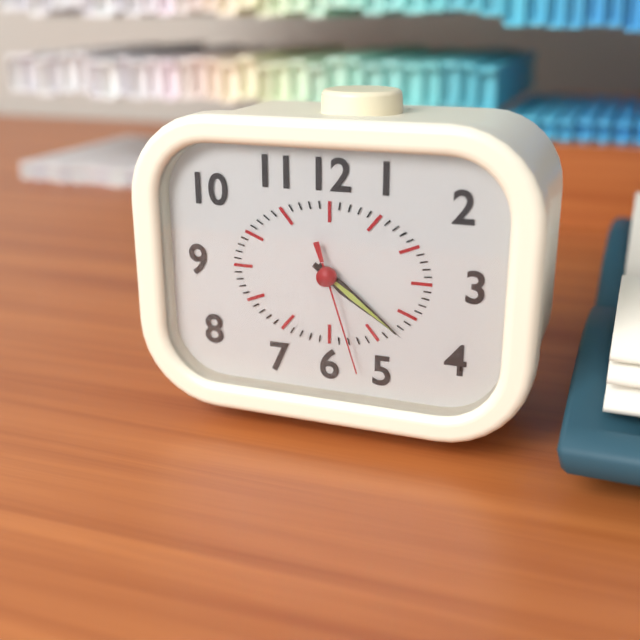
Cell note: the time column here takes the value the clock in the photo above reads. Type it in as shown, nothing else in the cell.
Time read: 4:21:27
